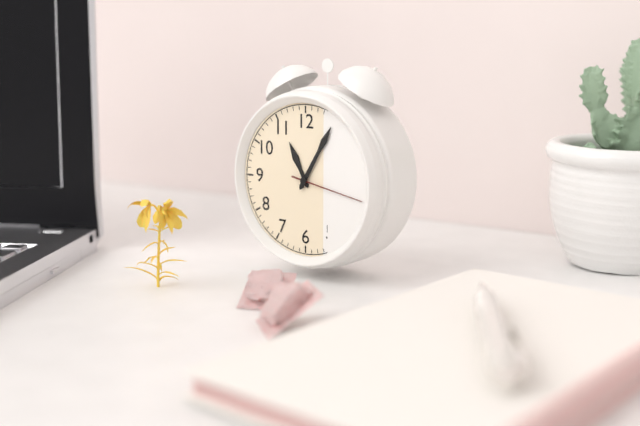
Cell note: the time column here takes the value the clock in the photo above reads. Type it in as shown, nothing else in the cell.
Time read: 11:05:17
